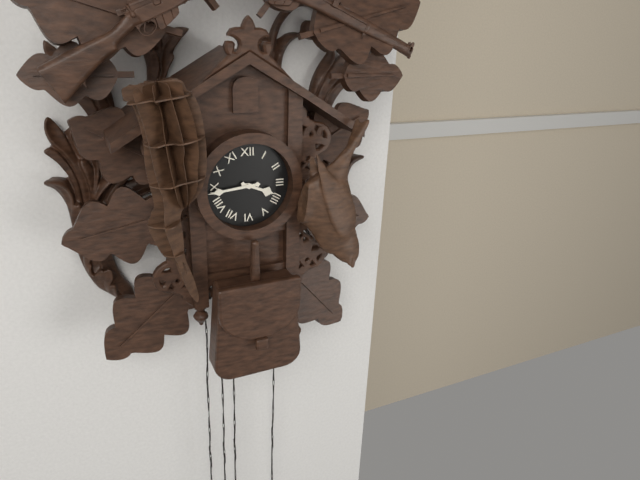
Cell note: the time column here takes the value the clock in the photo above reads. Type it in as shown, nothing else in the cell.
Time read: 3:44
